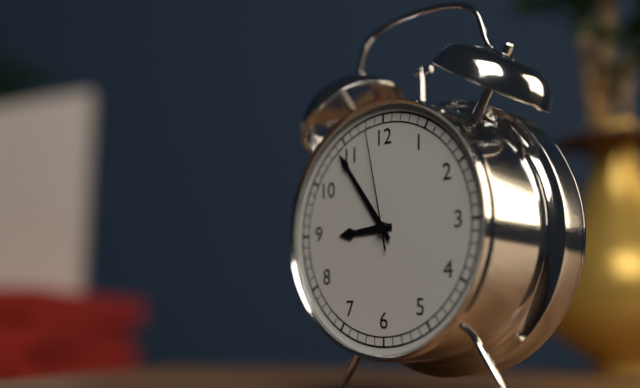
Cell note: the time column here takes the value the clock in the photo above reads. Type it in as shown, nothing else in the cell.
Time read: 8:54:58
